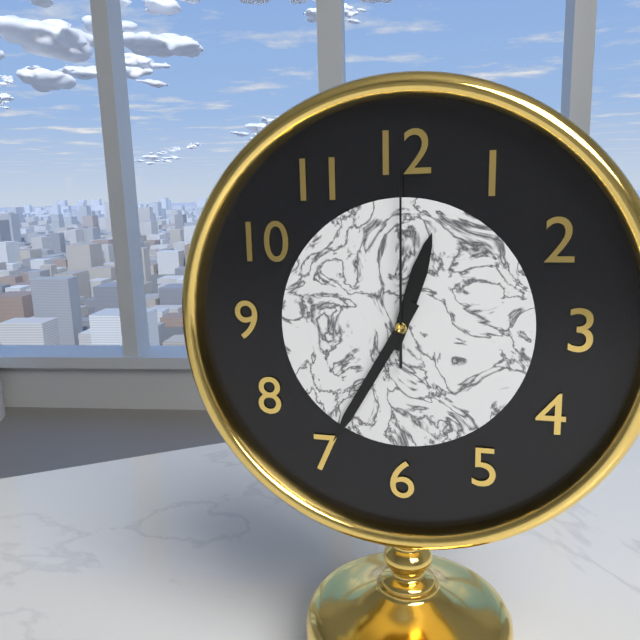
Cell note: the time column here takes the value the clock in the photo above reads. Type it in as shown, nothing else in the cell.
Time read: 12:35:00
